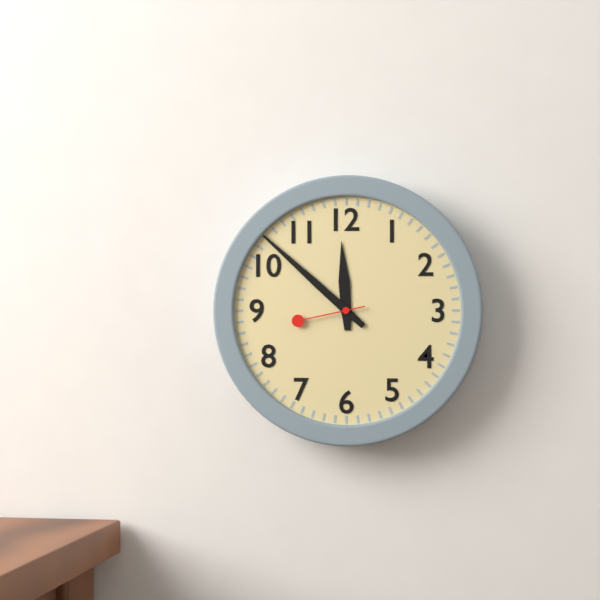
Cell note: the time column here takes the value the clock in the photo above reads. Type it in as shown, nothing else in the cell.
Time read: 11:52:43
